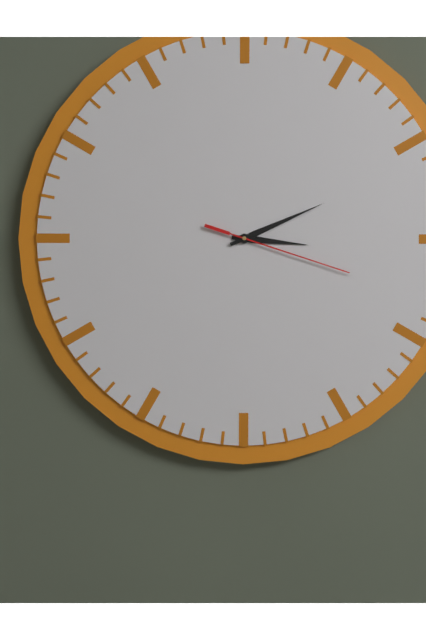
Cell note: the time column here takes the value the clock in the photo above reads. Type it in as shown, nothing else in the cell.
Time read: 3:11:18
